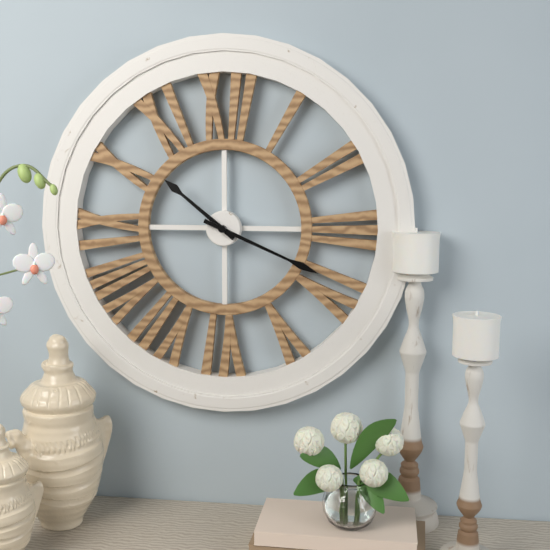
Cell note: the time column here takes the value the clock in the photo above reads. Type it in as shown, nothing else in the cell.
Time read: 10:19
